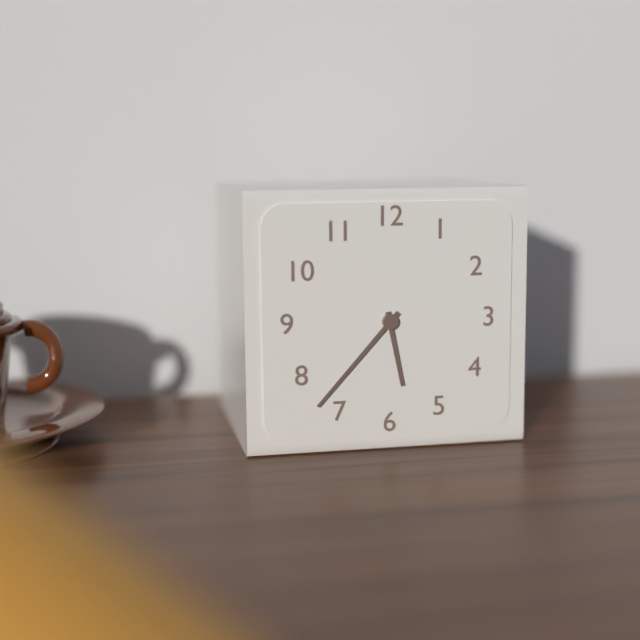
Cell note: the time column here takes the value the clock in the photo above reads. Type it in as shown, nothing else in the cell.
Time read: 5:37
